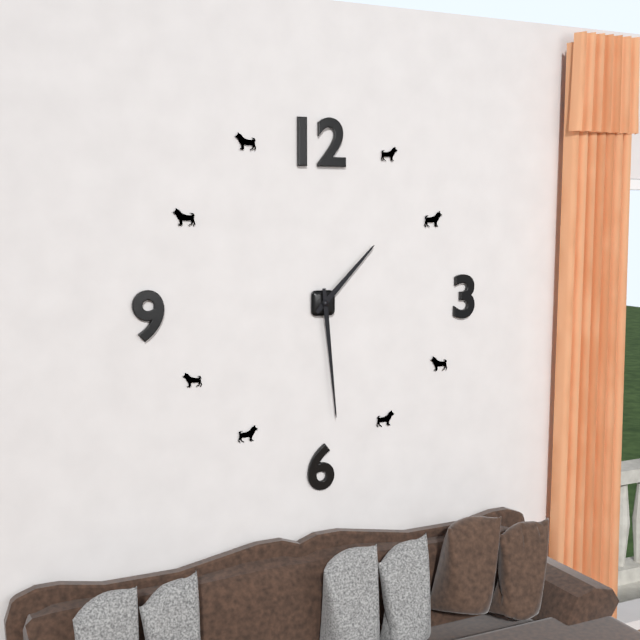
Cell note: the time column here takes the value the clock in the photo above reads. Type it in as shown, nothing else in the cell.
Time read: 1:29
